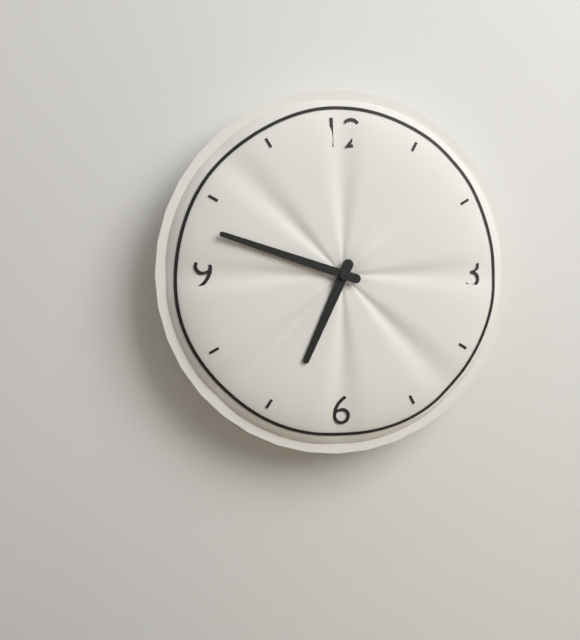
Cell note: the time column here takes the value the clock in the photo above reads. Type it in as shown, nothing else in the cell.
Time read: 6:48
